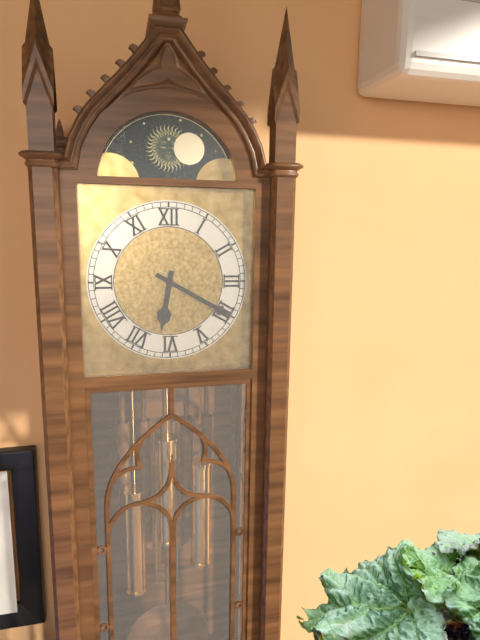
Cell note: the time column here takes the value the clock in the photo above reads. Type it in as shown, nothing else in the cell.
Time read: 6:20
